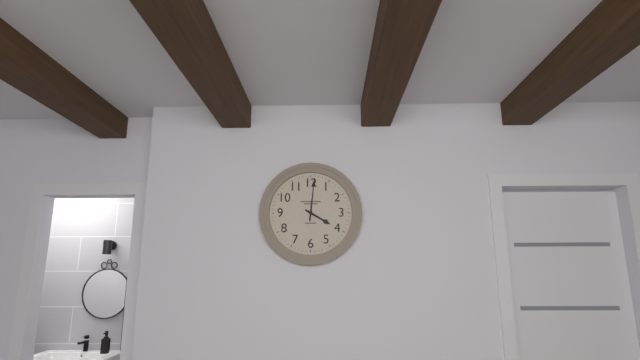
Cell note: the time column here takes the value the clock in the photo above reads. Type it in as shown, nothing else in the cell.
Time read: 4:01
